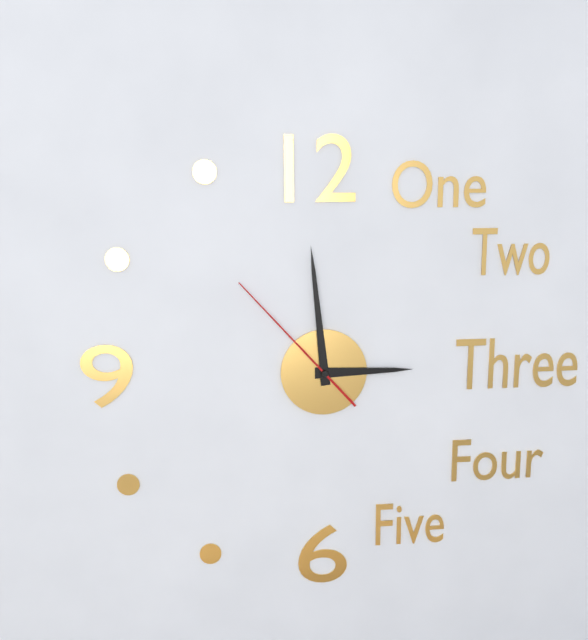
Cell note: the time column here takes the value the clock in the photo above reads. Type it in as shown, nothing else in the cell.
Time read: 2:59:53
